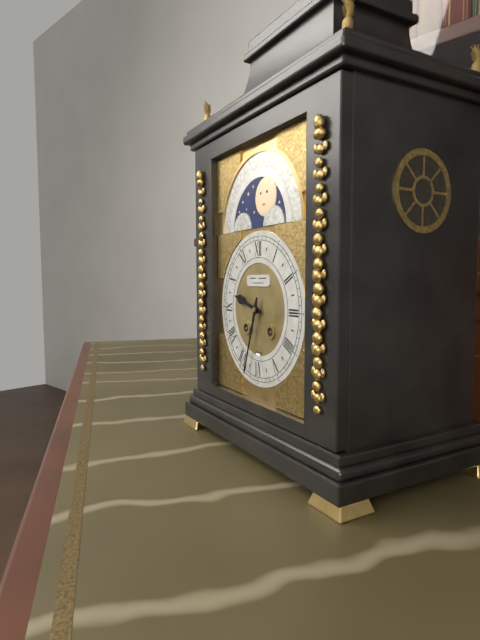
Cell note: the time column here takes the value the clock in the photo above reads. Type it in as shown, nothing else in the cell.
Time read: 9:33
